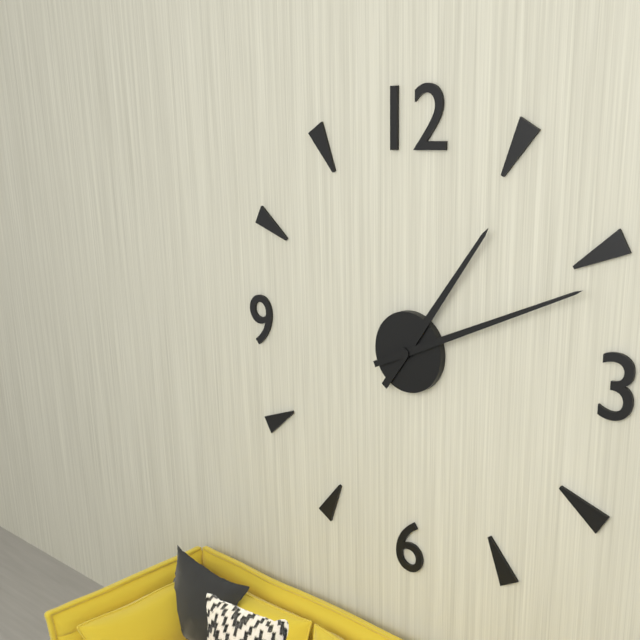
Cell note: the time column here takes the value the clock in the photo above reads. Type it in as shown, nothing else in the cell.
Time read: 1:11
